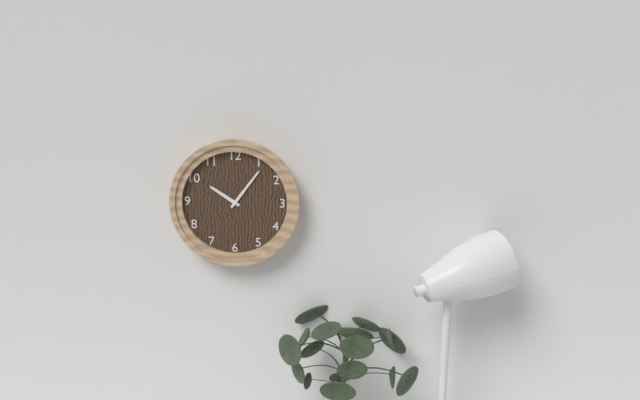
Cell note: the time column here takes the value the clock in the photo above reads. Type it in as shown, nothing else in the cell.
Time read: 10:06
